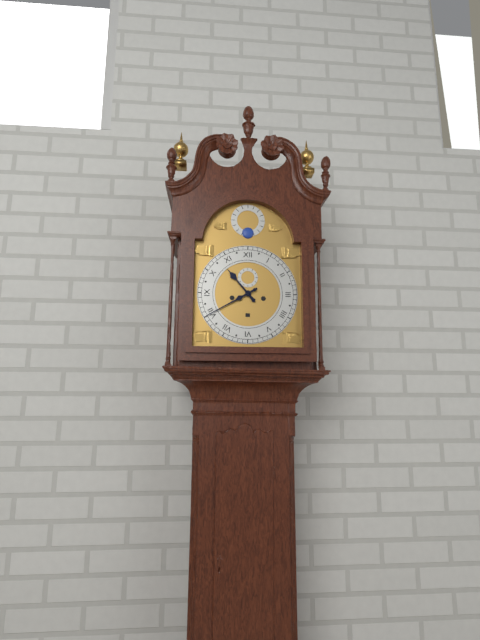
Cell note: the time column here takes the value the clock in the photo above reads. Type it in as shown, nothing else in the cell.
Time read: 10:40
